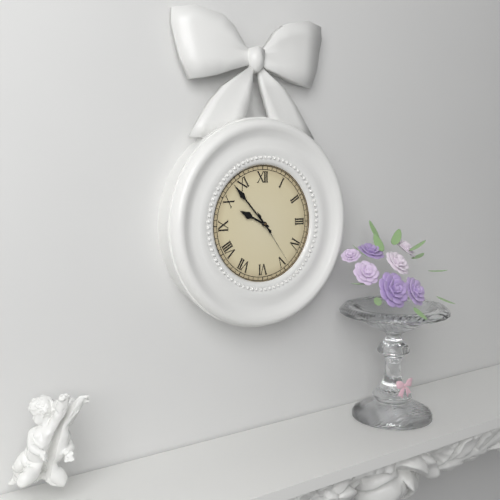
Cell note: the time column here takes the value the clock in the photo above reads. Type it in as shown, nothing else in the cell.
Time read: 9:53:24
